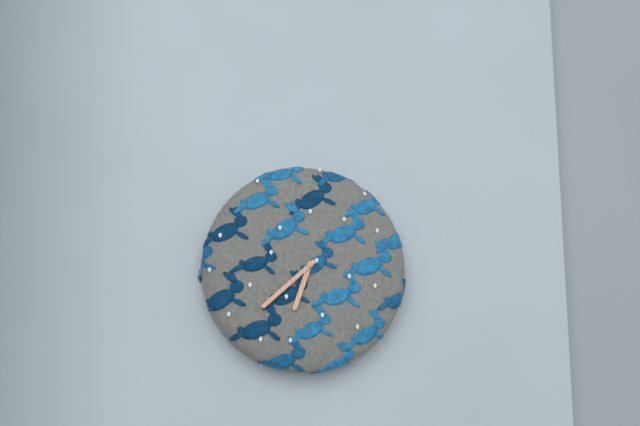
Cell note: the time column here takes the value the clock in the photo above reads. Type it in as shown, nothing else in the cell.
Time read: 6:38
